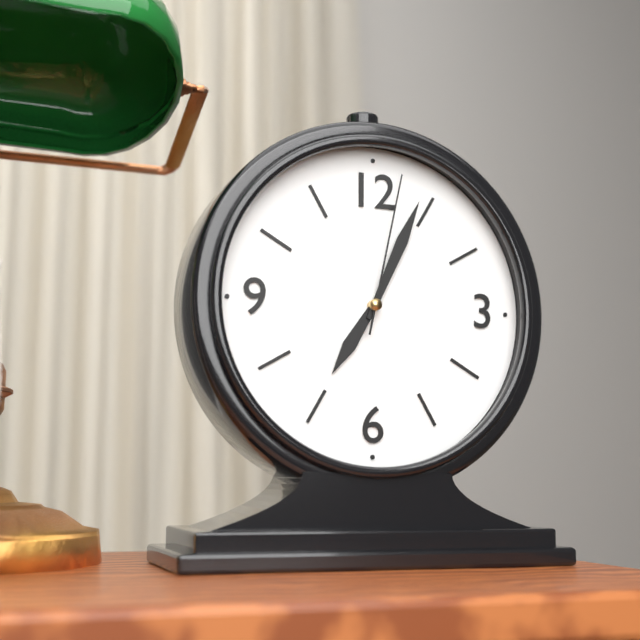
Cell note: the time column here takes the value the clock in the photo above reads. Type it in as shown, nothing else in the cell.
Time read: 7:04:02
